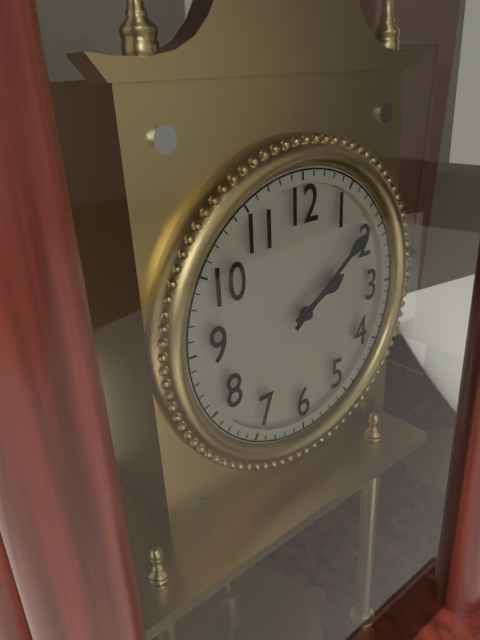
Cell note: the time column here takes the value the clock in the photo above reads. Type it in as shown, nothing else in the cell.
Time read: 2:09
